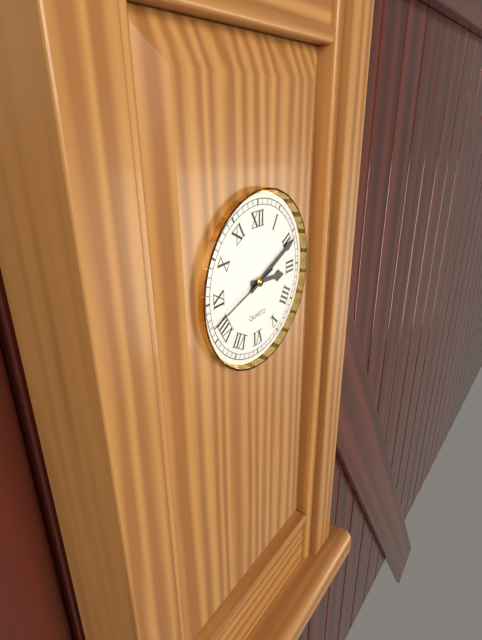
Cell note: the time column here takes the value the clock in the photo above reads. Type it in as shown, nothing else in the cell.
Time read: 3:11:42
